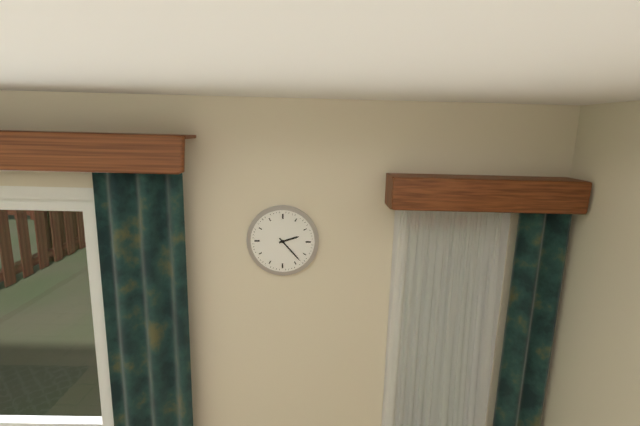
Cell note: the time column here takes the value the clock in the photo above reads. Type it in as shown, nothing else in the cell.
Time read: 2:23
